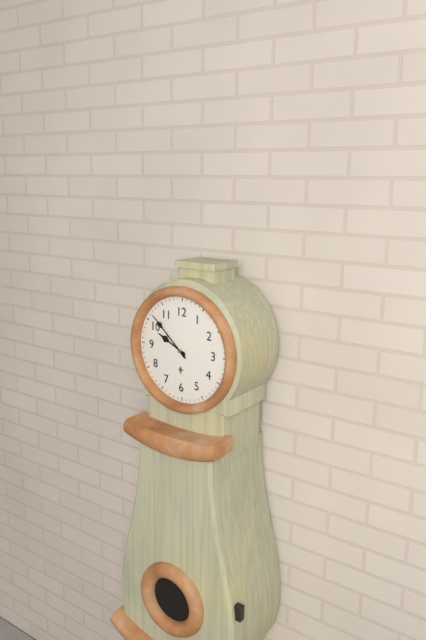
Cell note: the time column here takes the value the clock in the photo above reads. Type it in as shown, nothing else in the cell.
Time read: 9:52
